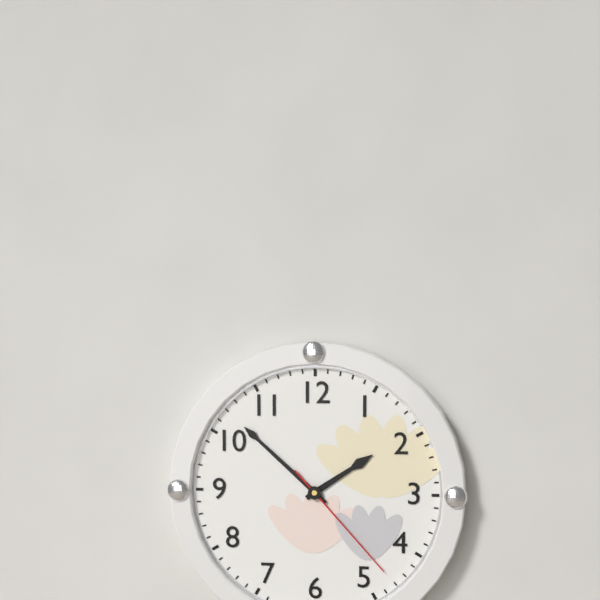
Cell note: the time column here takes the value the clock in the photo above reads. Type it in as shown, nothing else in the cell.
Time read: 1:52:23
